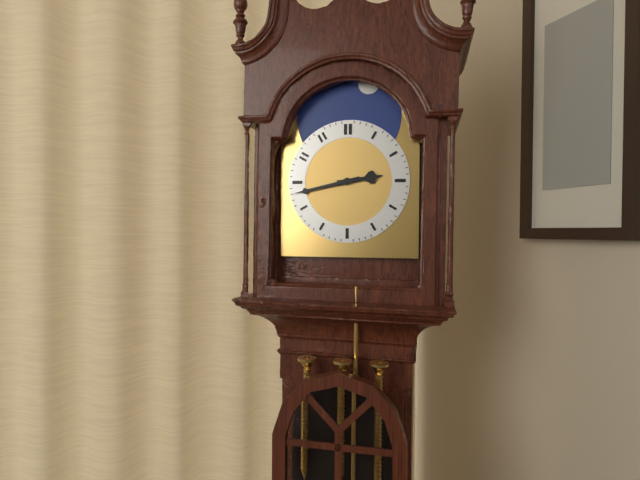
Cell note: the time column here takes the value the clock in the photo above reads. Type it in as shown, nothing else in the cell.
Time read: 2:43
